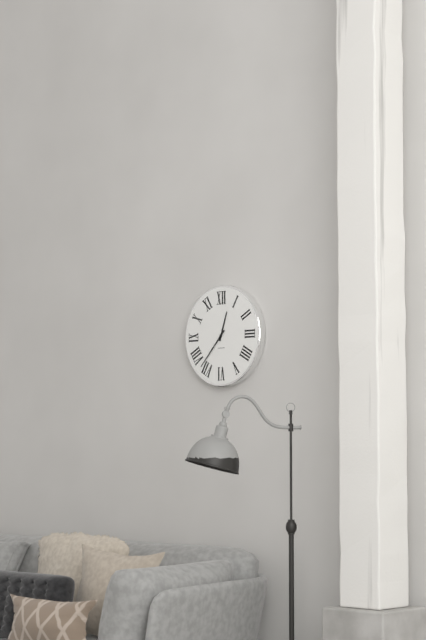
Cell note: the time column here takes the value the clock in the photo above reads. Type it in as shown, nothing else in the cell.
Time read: 12:37
